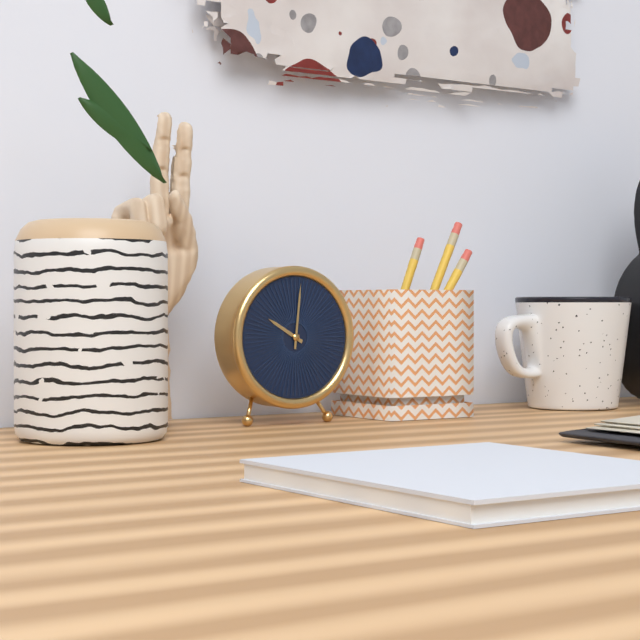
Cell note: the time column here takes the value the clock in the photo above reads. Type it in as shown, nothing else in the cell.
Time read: 10:01
